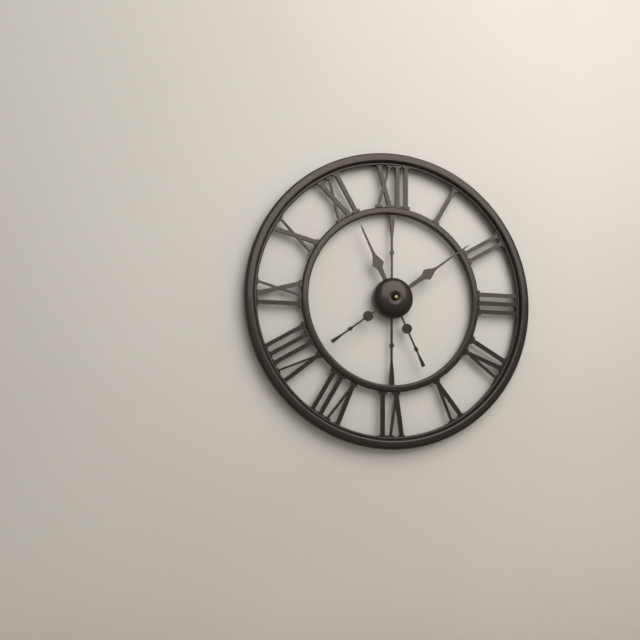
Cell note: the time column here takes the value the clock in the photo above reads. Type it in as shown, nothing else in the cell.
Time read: 11:09
